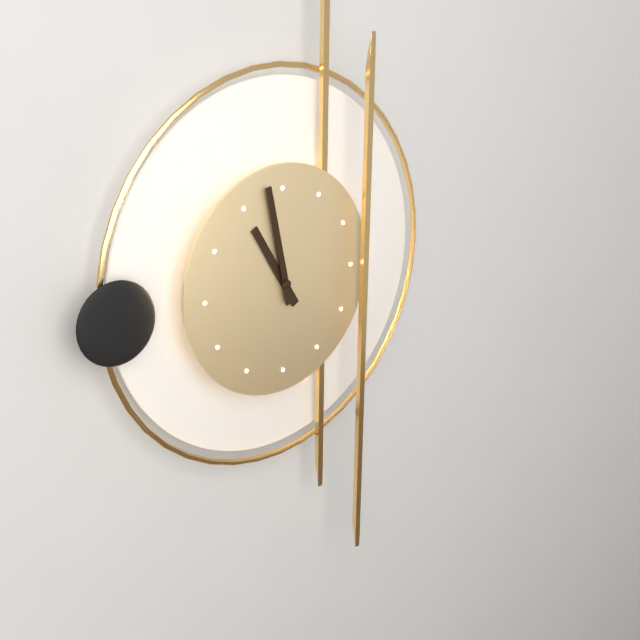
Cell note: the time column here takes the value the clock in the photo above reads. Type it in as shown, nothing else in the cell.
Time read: 10:58
